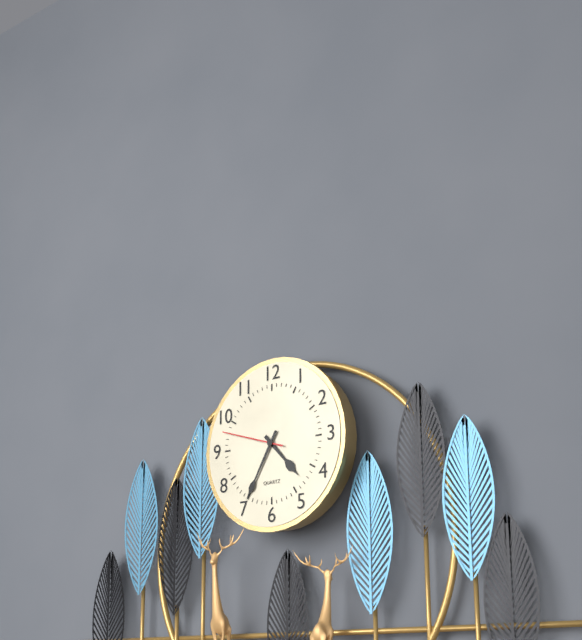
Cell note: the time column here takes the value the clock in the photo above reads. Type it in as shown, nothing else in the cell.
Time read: 4:35:48
